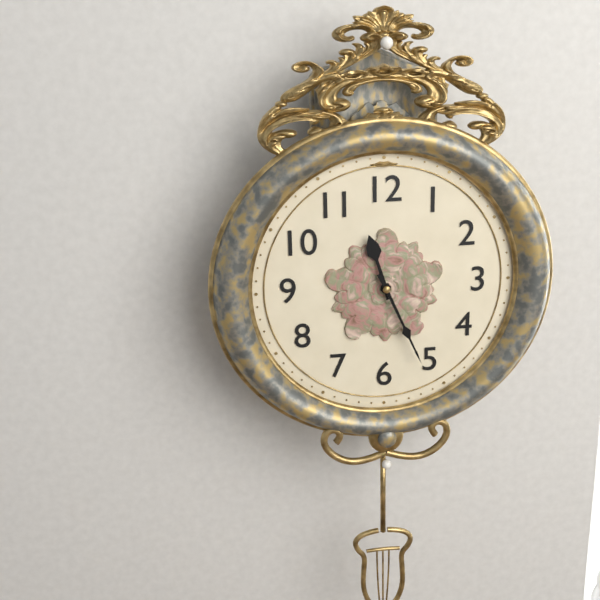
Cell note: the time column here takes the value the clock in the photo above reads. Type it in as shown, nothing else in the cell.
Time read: 11:26
